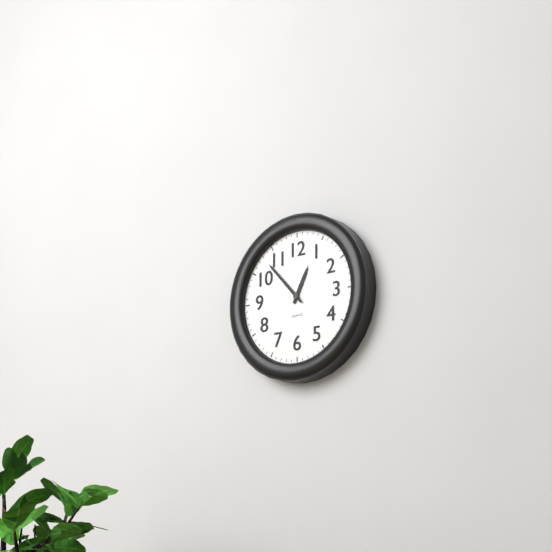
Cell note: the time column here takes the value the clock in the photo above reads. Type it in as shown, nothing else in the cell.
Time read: 12:53
